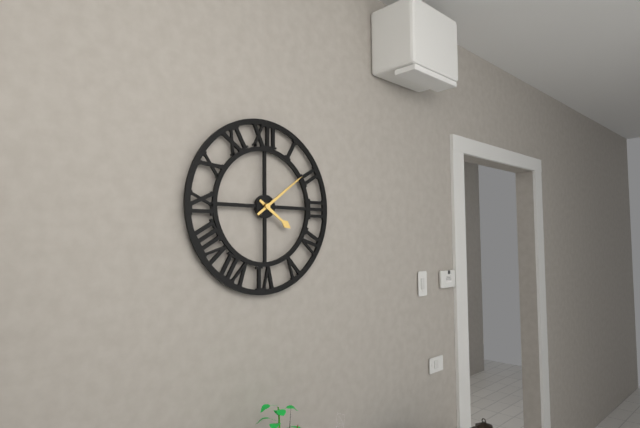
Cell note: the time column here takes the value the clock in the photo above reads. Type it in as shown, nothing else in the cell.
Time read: 4:09
